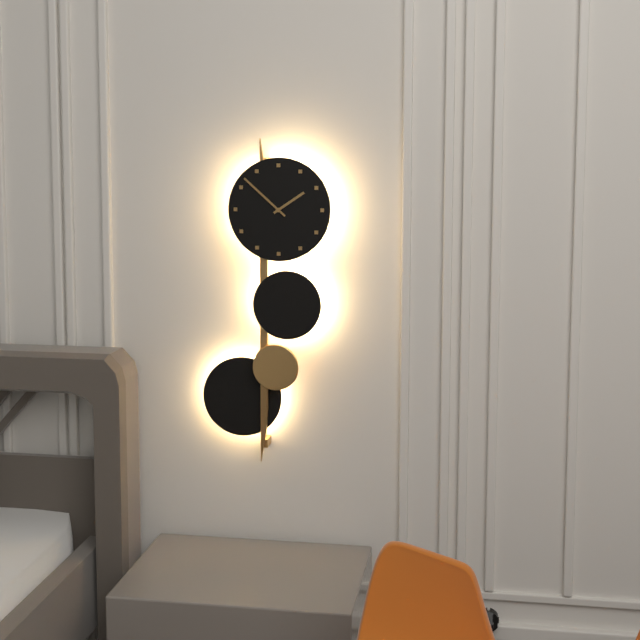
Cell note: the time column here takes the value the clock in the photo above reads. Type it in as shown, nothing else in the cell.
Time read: 1:52
